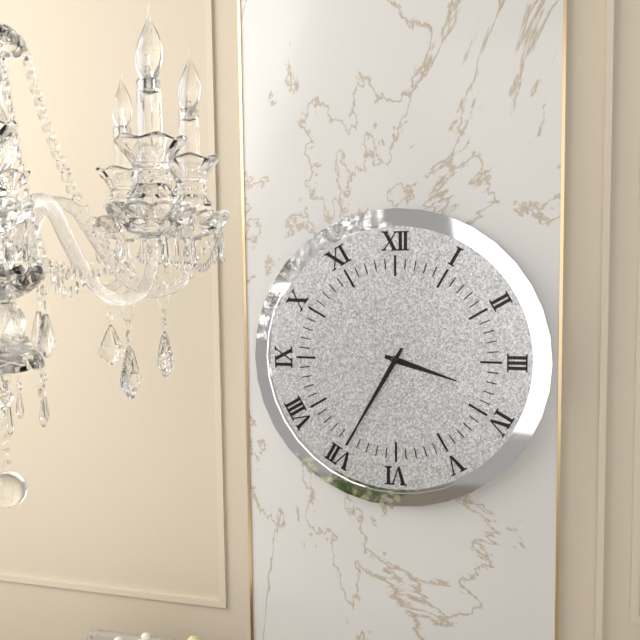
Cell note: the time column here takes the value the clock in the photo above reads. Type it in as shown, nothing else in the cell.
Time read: 3:35
